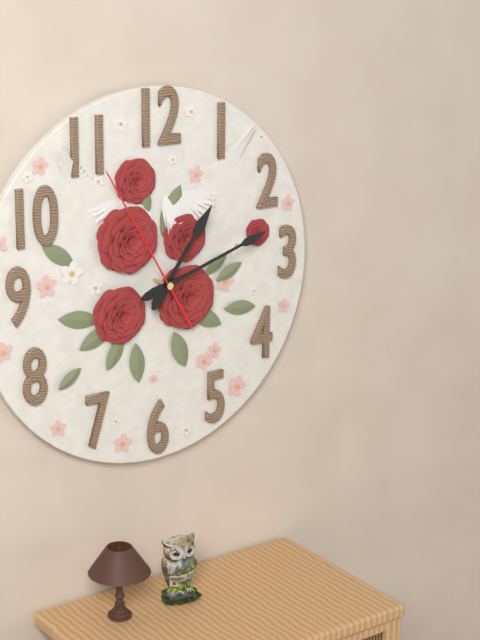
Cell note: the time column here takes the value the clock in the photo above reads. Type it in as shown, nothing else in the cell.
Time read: 1:12:55
